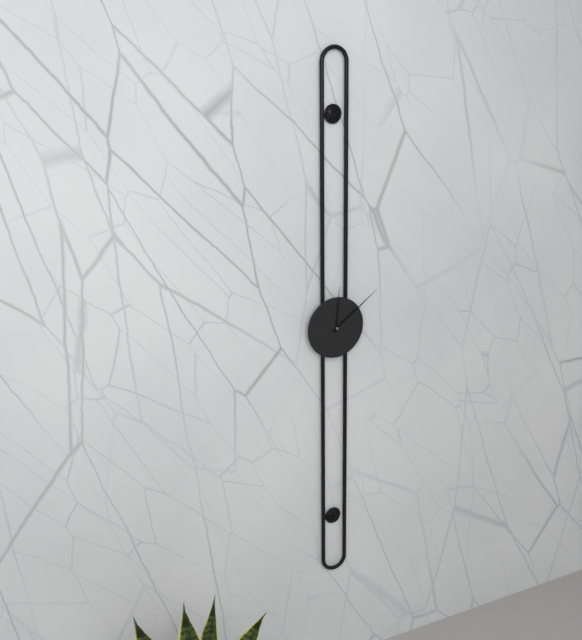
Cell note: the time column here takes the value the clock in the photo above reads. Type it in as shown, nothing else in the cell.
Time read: 12:09
